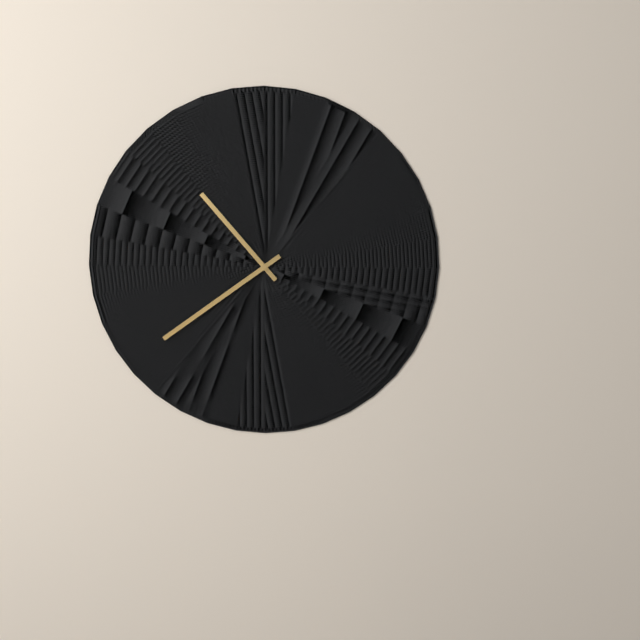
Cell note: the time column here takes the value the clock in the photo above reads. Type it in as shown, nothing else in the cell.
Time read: 10:39
